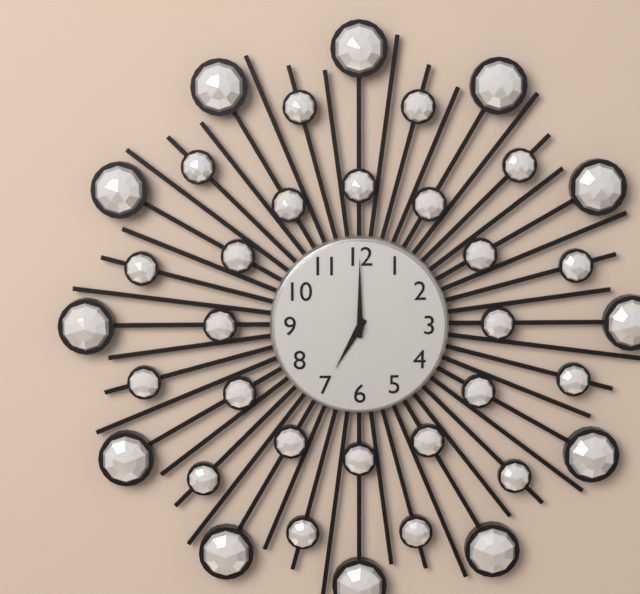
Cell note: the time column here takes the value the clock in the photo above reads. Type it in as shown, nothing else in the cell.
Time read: 7:00
